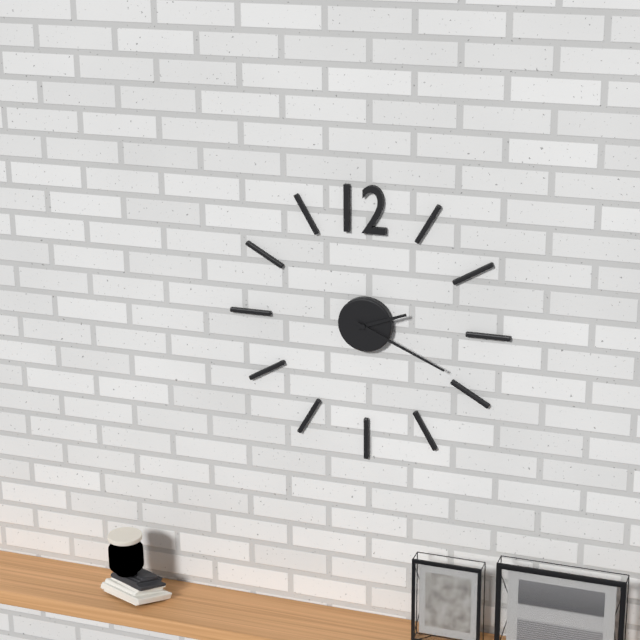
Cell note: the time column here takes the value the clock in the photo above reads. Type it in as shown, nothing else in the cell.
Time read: 2:19
